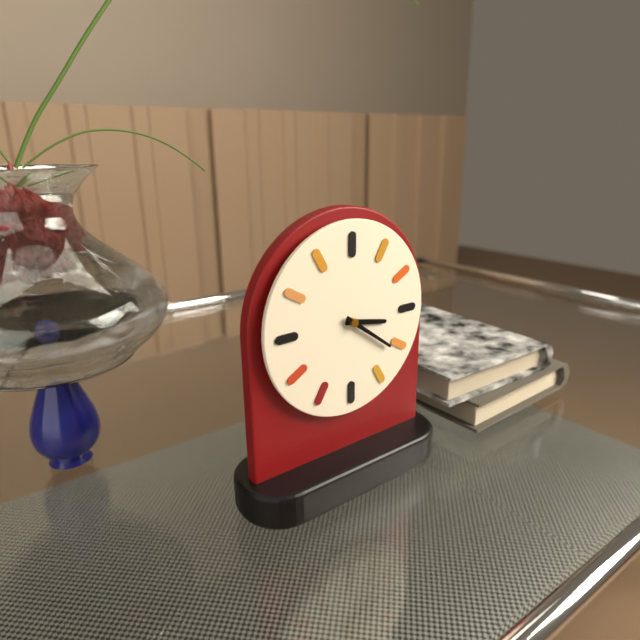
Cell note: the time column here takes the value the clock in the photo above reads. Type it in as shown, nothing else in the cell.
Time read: 3:21
